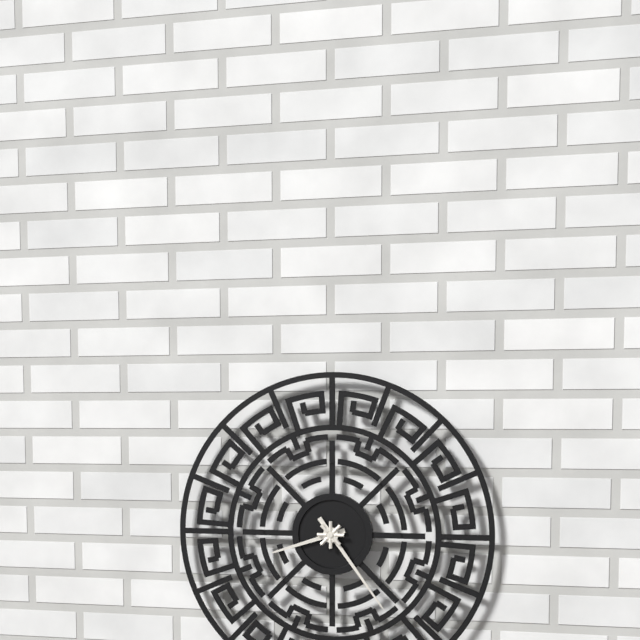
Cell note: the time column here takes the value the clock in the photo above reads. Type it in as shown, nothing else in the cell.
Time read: 8:24
